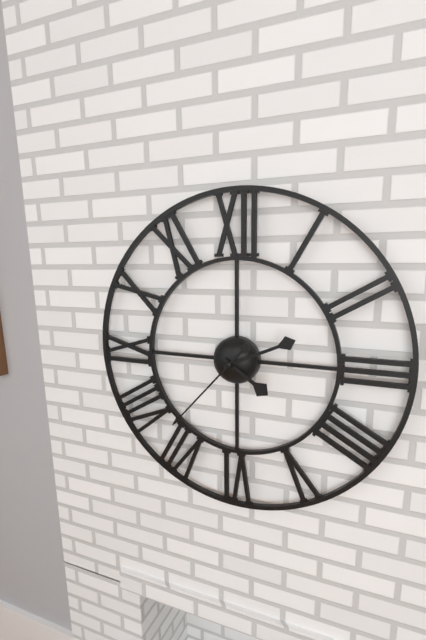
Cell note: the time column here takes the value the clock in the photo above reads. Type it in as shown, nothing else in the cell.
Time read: 4:11:37
